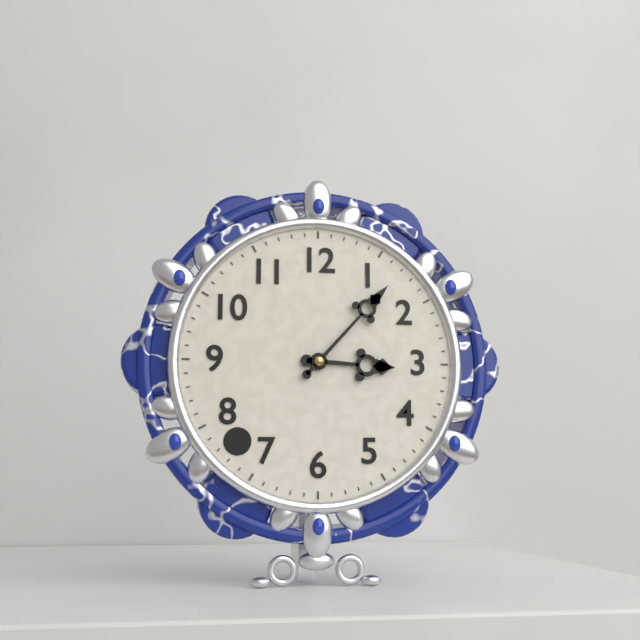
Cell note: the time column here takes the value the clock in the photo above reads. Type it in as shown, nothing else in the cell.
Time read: 3:07
